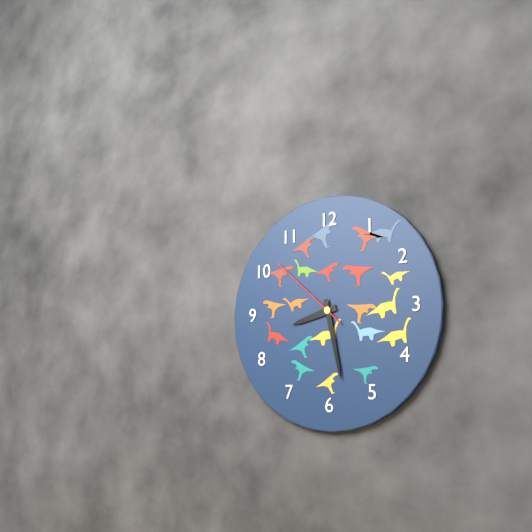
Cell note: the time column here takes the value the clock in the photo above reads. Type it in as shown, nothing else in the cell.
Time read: 8:28:52
